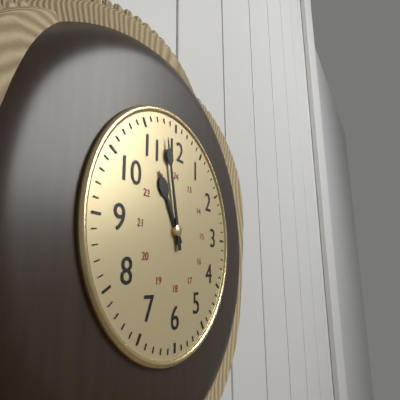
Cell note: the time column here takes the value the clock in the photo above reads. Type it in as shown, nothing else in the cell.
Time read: 10:58
